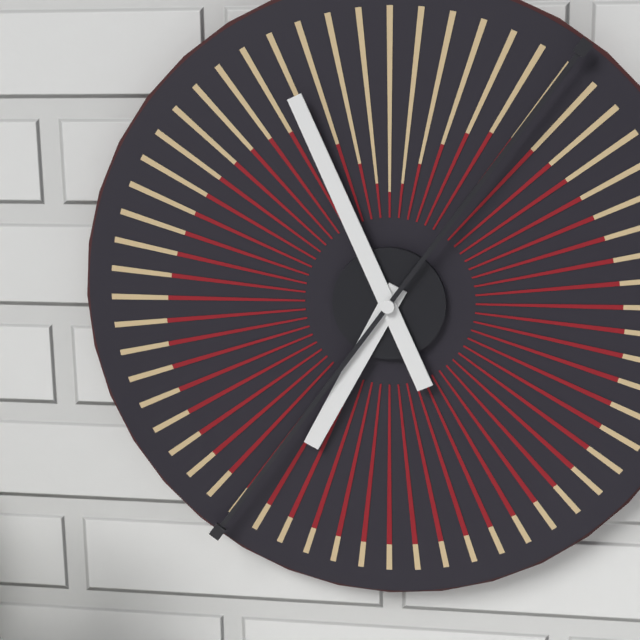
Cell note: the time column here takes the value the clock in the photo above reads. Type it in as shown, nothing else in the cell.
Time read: 6:56
